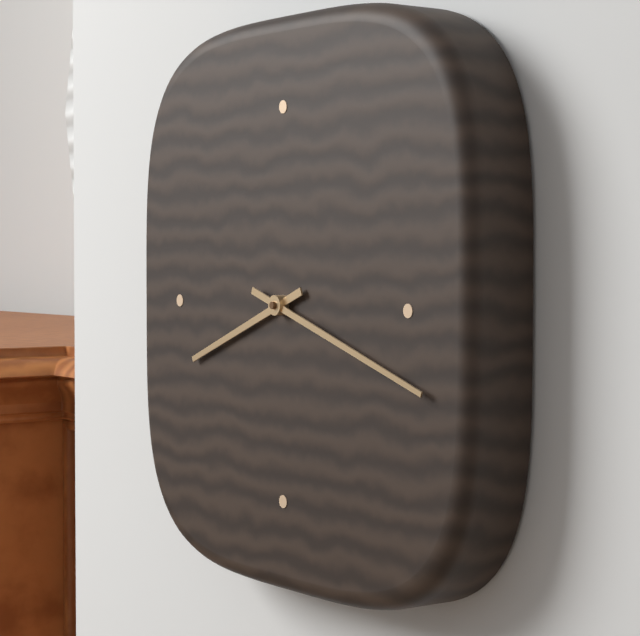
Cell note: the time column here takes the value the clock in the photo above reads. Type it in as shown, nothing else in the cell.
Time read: 8:18
